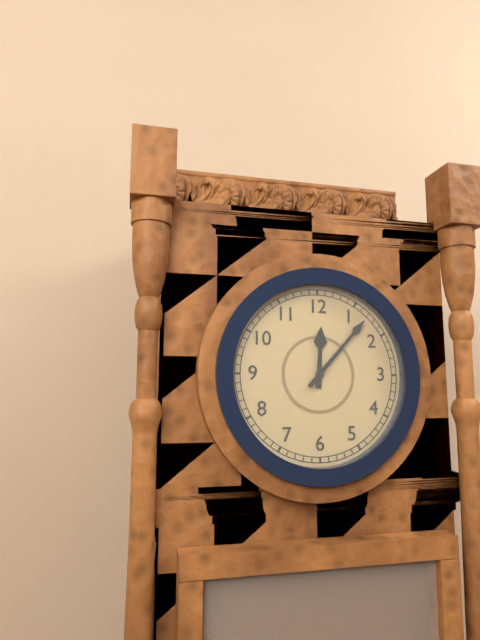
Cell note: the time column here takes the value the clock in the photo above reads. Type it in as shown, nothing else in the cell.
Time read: 12:07
